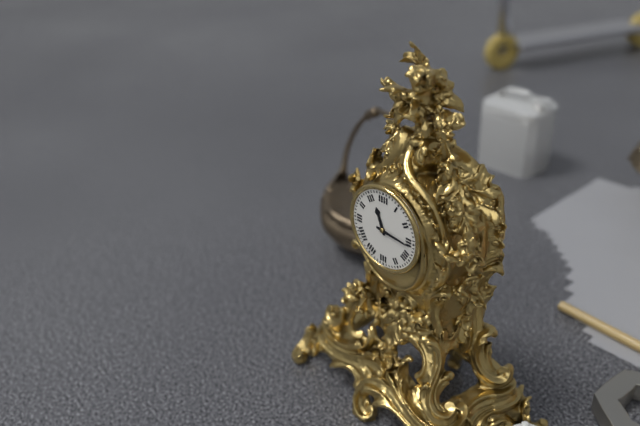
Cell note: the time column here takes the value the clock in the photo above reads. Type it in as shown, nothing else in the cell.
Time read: 11:16
